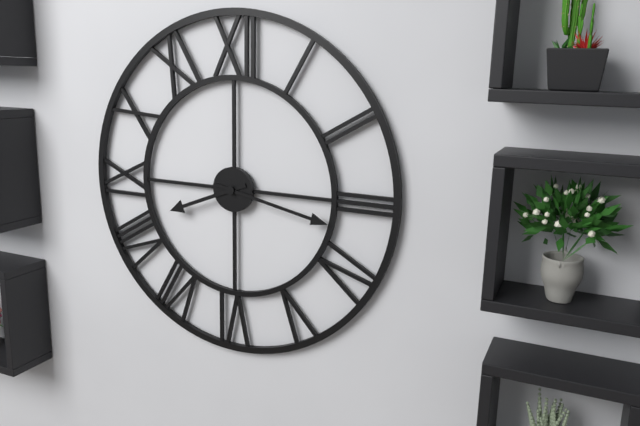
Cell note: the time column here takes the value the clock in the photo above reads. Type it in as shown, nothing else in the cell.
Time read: 8:17
